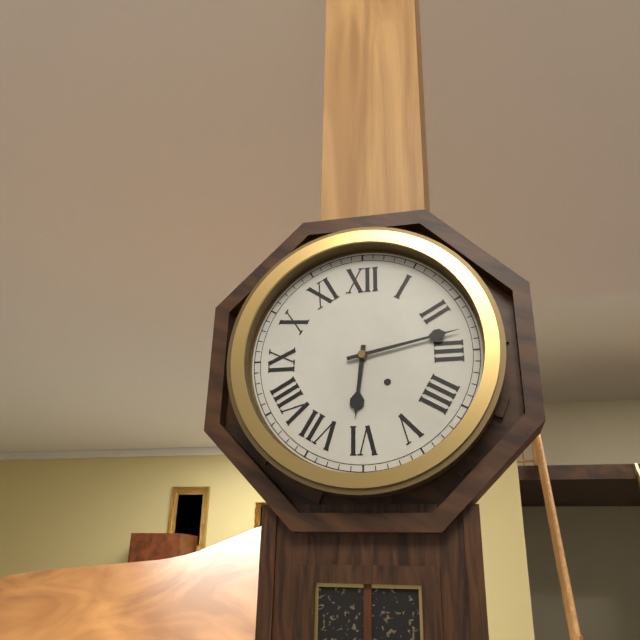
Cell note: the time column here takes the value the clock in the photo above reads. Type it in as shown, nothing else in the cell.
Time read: 6:13
